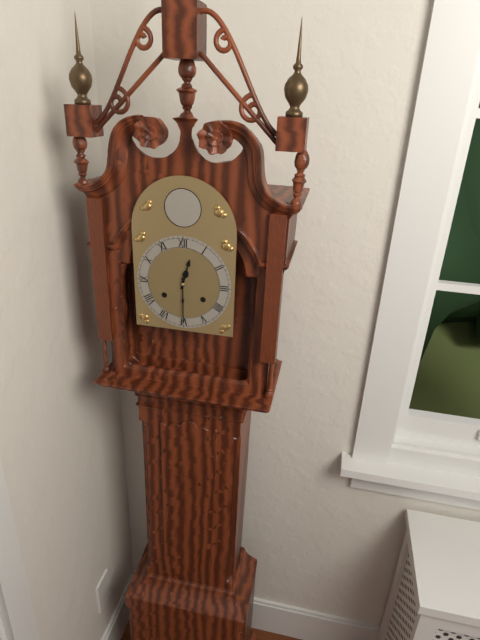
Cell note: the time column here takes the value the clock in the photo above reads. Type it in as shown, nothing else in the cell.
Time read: 12:30
